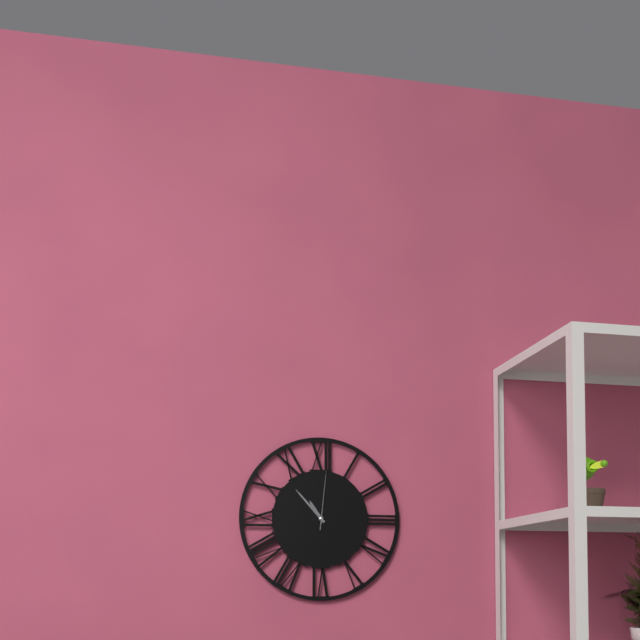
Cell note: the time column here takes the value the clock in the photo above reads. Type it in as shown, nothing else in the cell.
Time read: 10:53:01
